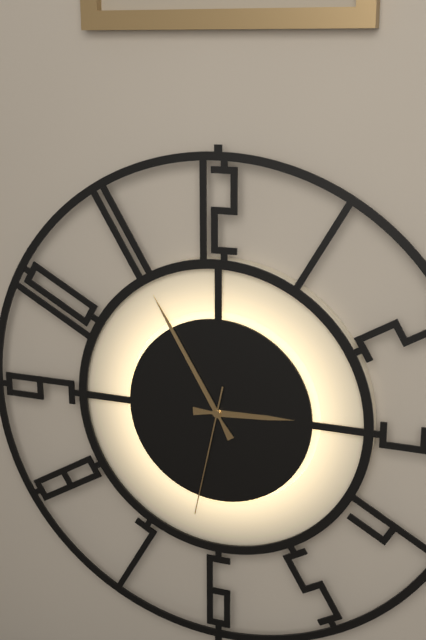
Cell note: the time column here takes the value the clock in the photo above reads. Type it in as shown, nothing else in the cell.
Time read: 2:55:32
